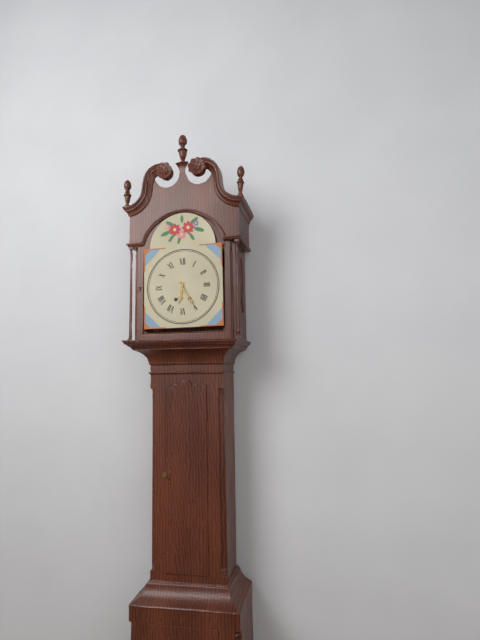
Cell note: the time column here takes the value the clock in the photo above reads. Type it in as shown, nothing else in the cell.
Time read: 6:25
